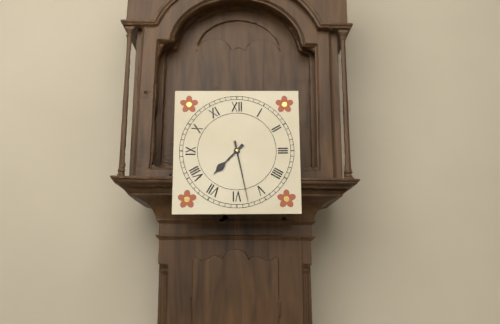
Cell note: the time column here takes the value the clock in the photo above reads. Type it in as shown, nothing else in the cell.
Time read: 7:28
